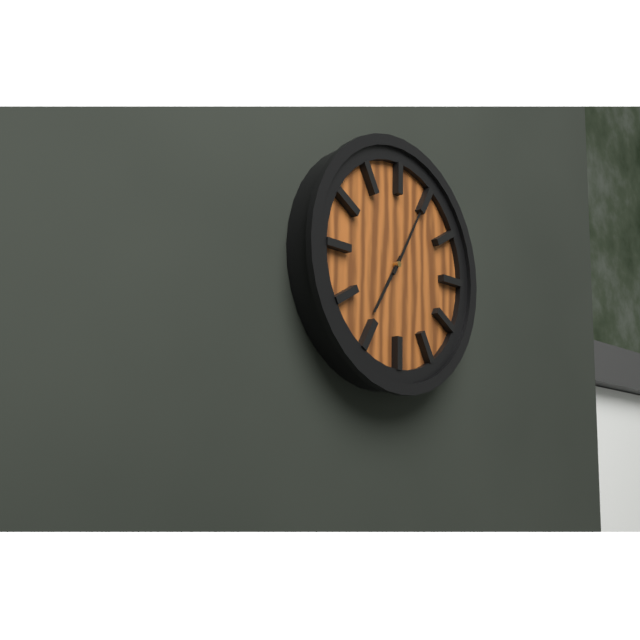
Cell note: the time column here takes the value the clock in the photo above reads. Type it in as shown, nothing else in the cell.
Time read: 7:05
